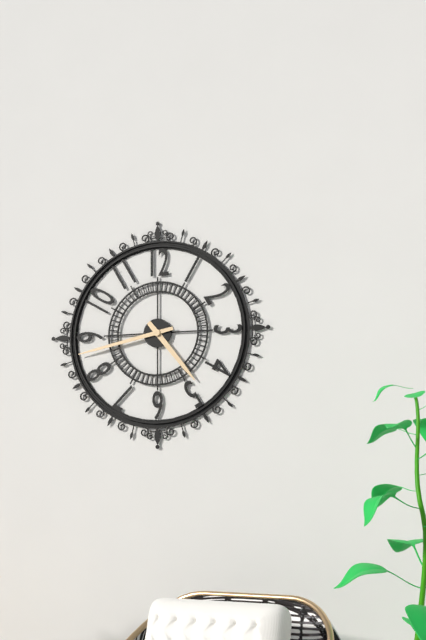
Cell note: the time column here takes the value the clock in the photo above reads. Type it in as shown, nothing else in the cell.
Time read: 4:43
